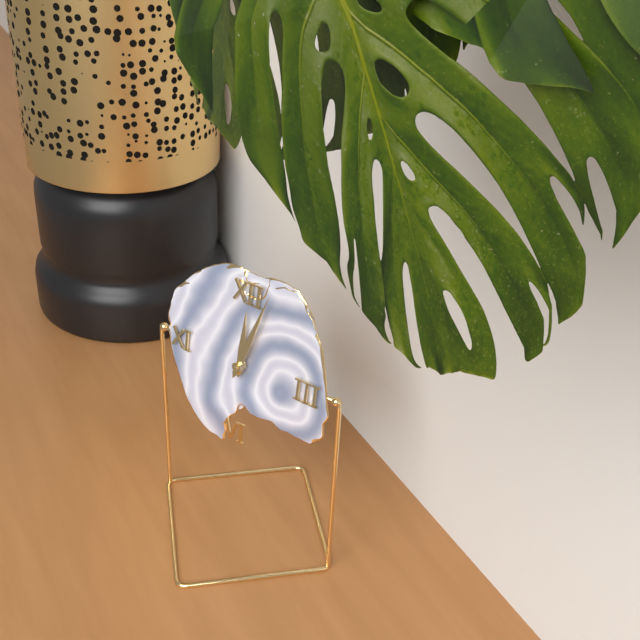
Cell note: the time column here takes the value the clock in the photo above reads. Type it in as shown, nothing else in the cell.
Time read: 12:03
